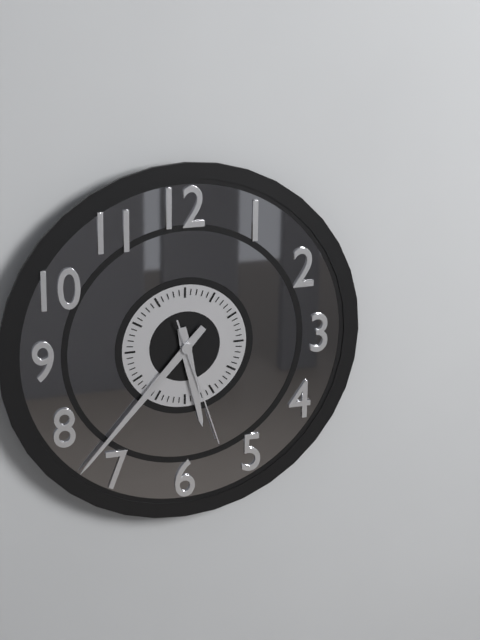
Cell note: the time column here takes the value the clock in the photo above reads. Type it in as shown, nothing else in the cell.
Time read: 5:37:27
